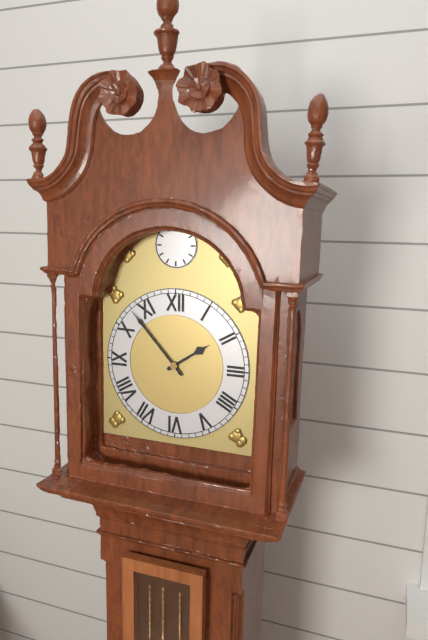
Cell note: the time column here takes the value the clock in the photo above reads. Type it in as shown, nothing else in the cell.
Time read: 1:53
